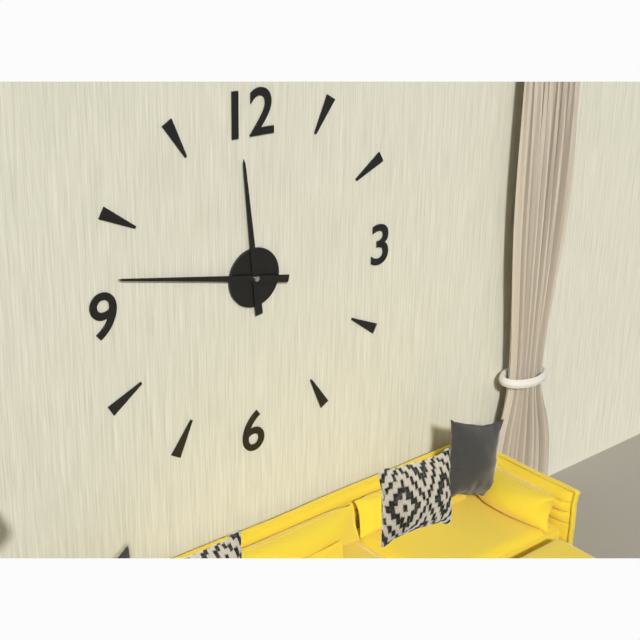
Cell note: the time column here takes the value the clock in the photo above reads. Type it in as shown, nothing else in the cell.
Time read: 11:47
